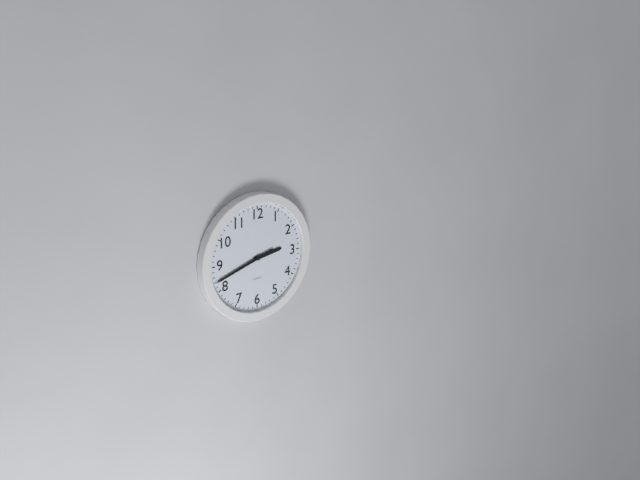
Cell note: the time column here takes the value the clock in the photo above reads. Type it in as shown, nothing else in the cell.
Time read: 2:42
